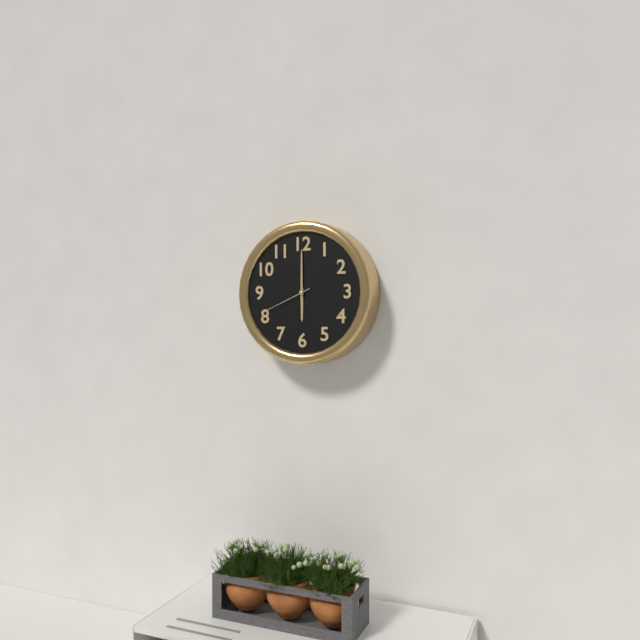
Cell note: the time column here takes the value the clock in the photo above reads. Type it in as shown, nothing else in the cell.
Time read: 6:00:41
